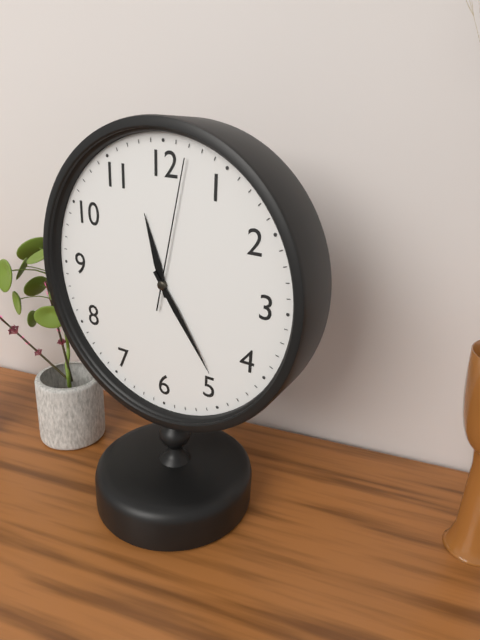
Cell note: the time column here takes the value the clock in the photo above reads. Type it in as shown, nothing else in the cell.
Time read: 11:24:02
